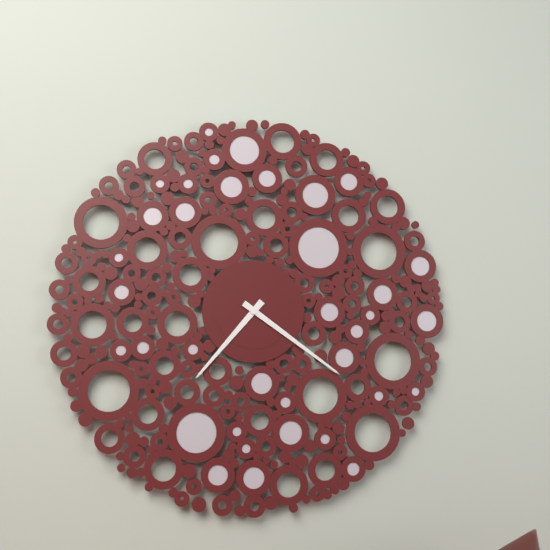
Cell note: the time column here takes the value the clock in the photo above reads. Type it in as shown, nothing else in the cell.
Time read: 7:21
